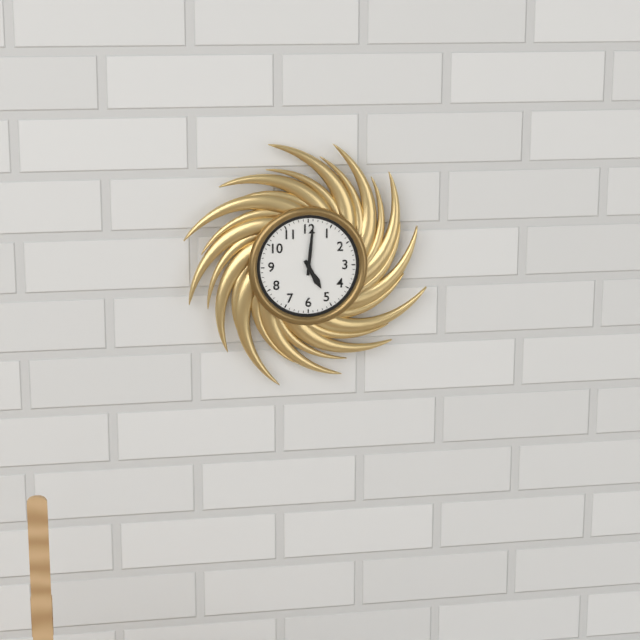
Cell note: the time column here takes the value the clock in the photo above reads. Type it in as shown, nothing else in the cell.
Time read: 5:01
